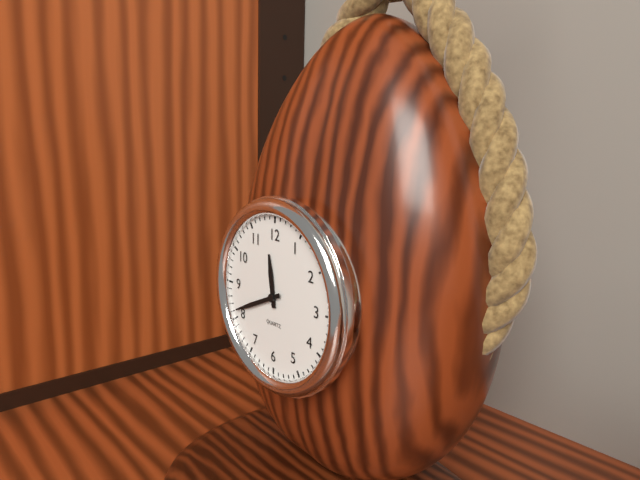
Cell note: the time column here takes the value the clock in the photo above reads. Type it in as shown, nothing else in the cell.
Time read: 11:41
